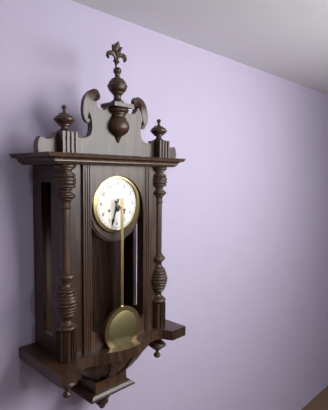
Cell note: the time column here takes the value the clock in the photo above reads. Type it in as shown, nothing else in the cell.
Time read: 4:33
